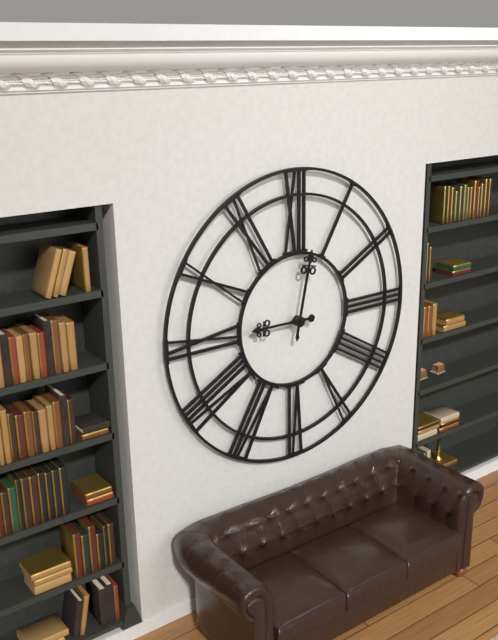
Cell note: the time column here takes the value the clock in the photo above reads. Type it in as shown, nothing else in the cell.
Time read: 9:02
